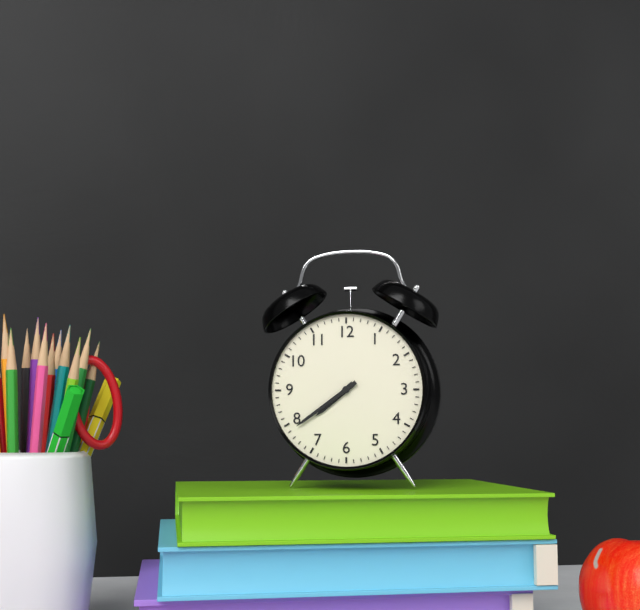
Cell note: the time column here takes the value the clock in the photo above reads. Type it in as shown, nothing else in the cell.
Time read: 7:39
